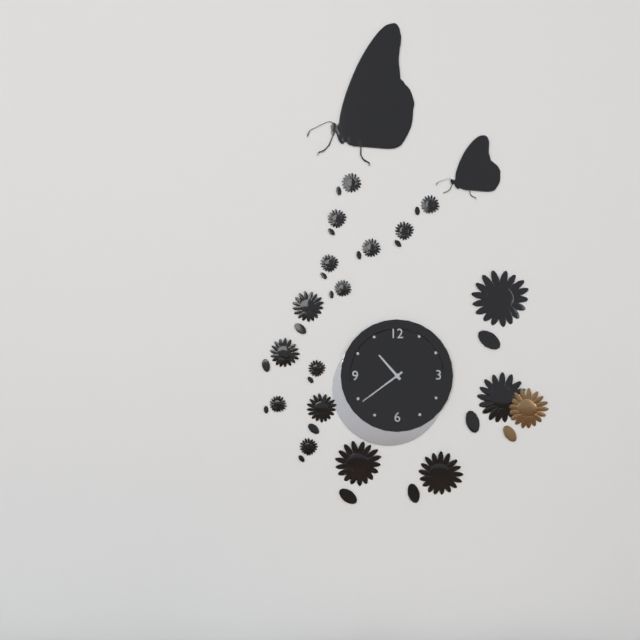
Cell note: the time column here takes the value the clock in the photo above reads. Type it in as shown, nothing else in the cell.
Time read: 10:39
